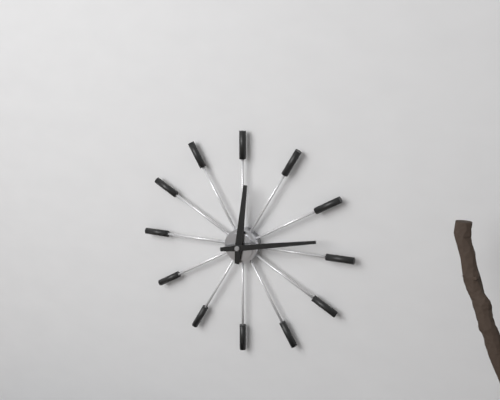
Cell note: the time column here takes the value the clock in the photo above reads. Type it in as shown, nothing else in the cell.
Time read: 12:13
